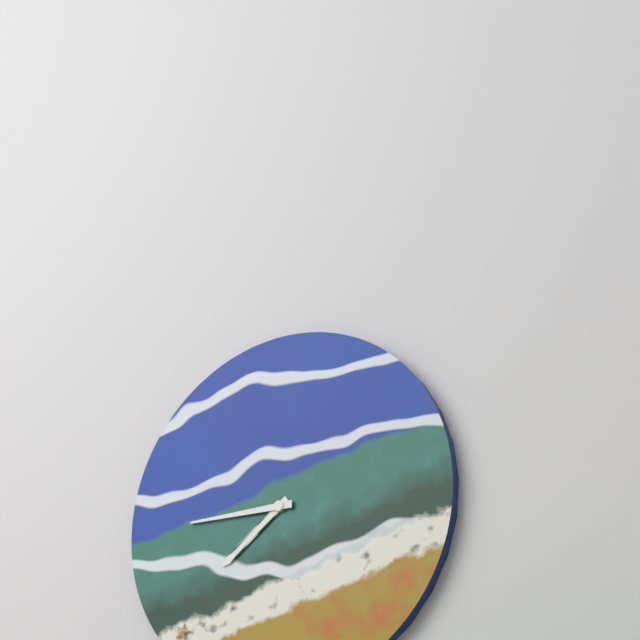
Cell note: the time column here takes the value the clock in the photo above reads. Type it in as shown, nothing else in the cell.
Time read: 7:45
